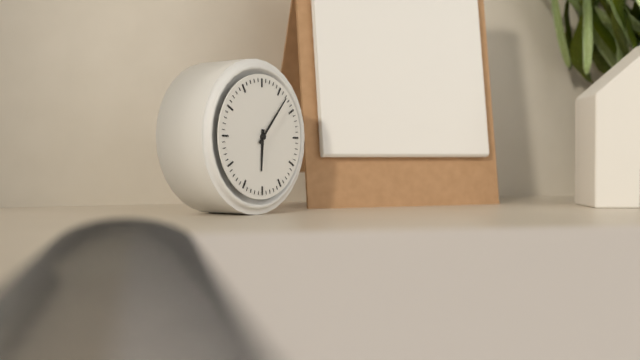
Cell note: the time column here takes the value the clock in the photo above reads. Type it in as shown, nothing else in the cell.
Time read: 6:07
